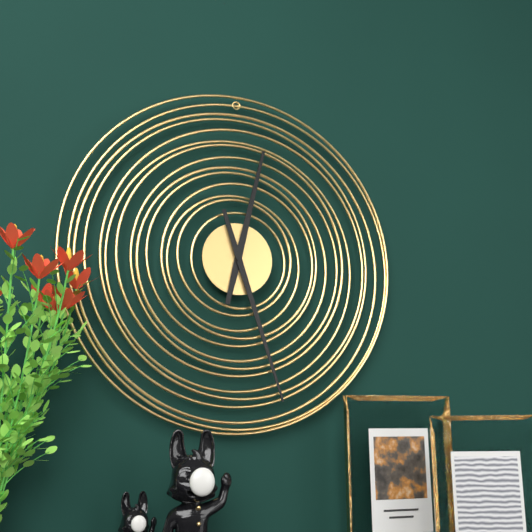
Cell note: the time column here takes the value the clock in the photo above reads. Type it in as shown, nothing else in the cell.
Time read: 12:27
